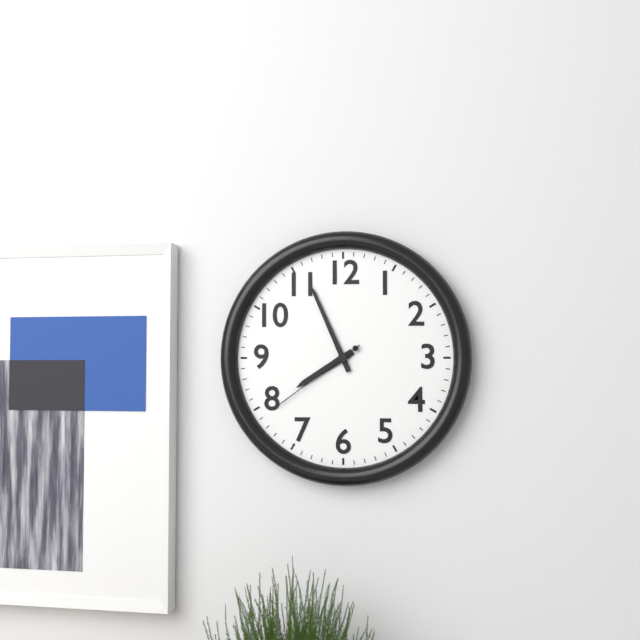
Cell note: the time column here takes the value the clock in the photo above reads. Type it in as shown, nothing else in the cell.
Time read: 7:56:39
